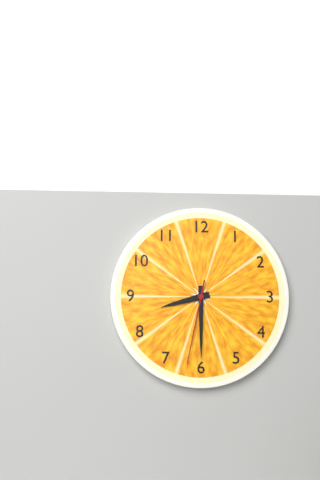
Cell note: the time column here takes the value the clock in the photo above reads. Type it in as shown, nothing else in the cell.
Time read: 8:30:32
